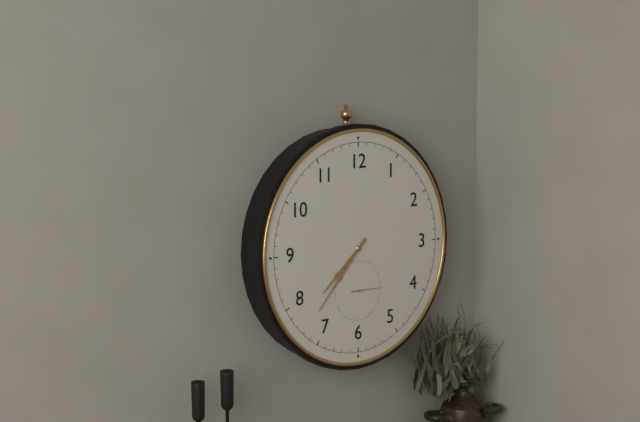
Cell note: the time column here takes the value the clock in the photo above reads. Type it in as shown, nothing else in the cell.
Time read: 7:37
